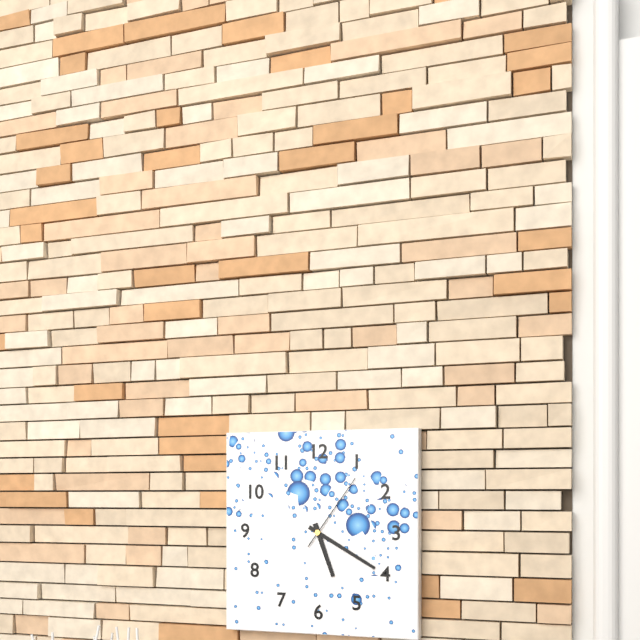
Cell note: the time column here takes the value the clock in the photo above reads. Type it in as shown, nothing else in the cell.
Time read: 5:20:06
